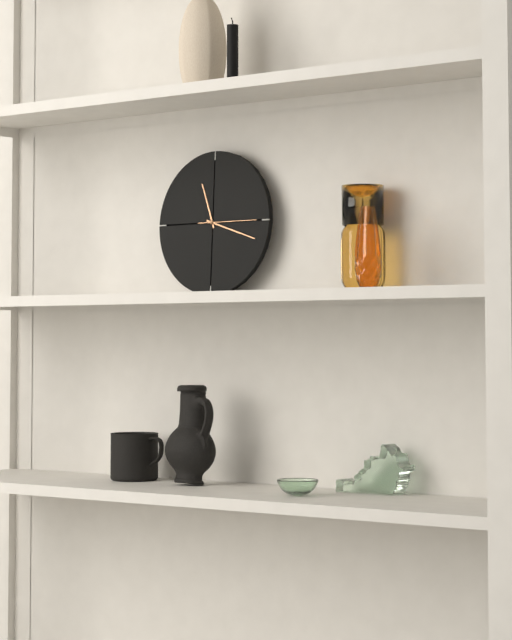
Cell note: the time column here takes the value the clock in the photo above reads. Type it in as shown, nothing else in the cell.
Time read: 11:18:15
